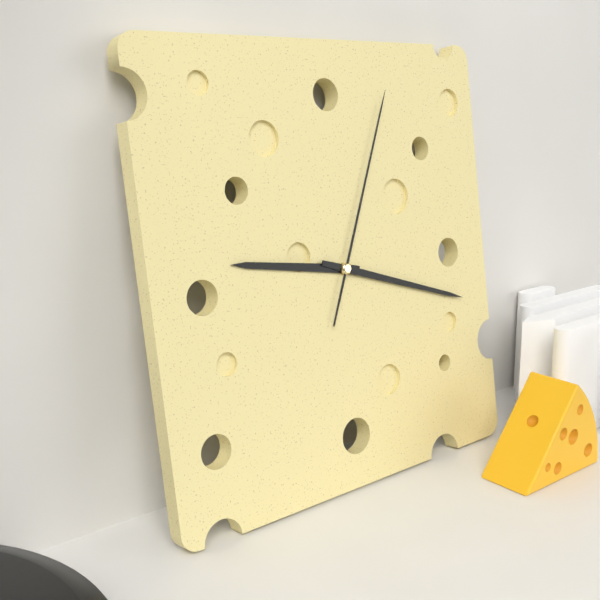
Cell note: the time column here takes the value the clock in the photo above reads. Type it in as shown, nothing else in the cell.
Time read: 9:18:04
